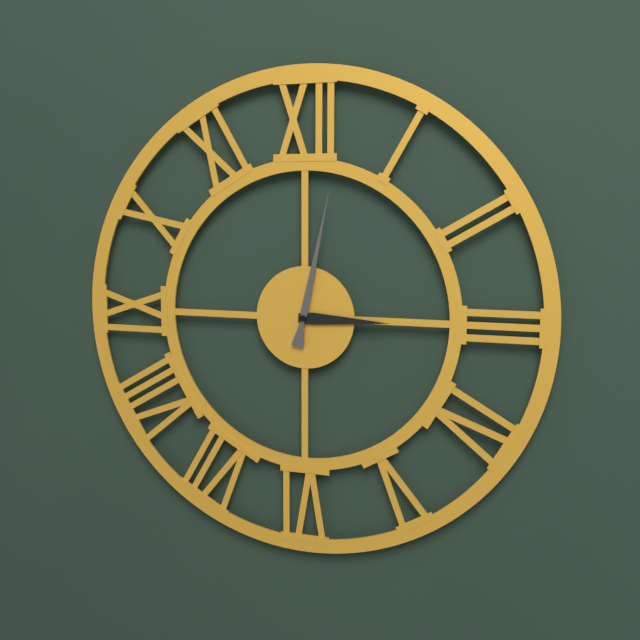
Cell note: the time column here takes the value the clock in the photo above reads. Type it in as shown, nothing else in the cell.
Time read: 3:02
